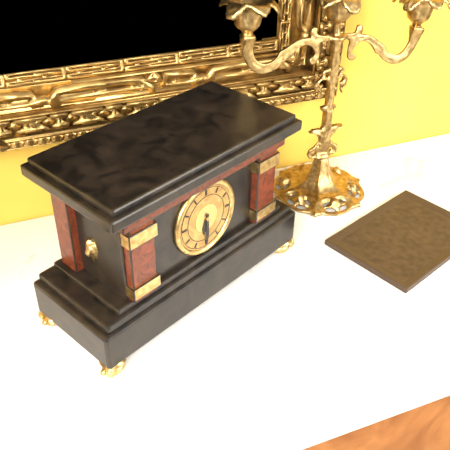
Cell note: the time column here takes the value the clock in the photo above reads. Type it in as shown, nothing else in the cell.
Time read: 6:30
